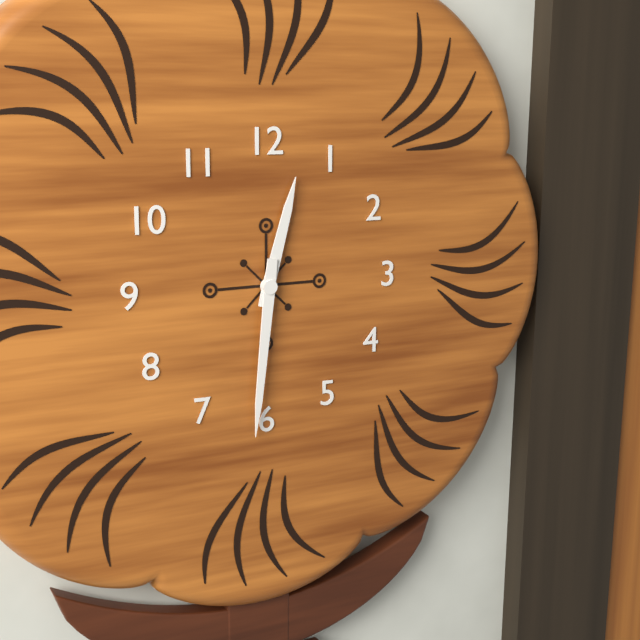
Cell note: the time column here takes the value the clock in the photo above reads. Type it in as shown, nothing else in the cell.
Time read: 12:31
